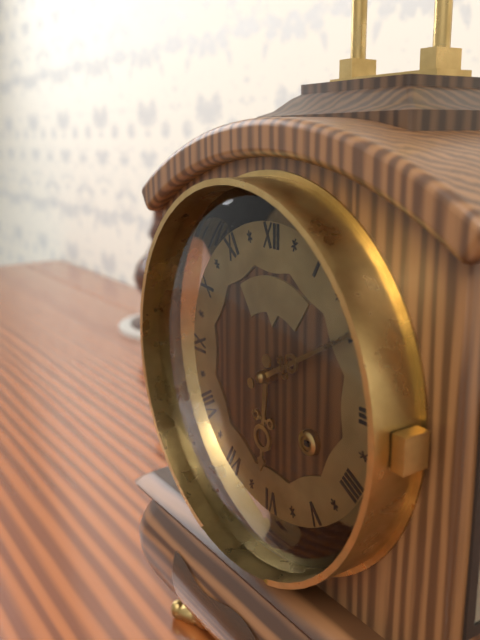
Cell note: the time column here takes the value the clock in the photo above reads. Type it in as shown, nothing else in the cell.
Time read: 6:10
